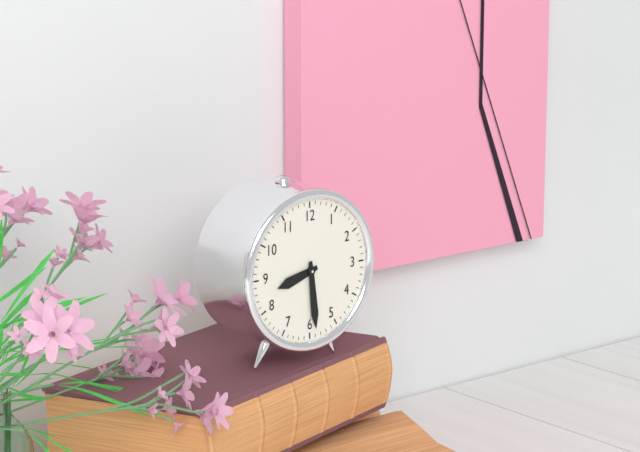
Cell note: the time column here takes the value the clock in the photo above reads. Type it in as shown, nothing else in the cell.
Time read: 8:29
